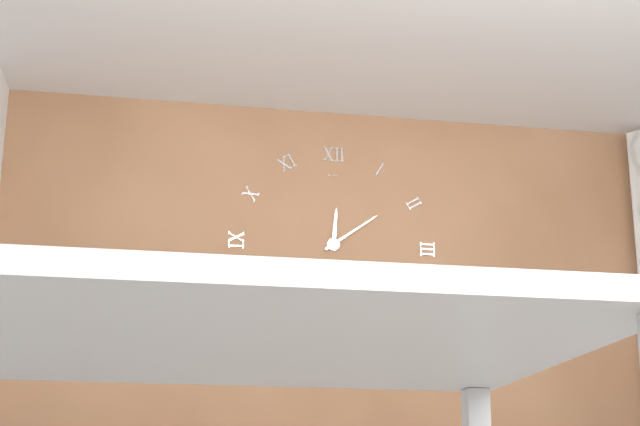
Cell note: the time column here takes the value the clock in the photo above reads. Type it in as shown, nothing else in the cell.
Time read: 12:09
